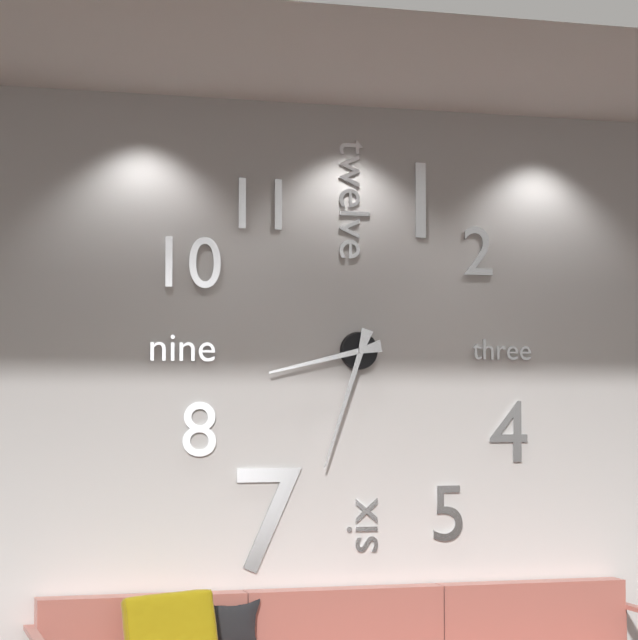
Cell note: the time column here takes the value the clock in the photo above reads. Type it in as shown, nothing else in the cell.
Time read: 8:33
